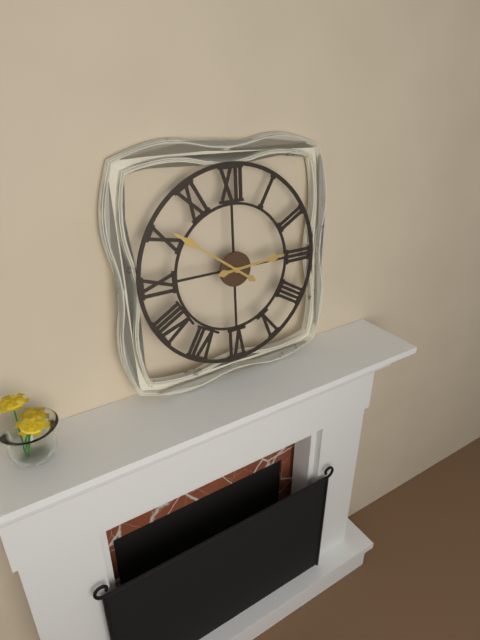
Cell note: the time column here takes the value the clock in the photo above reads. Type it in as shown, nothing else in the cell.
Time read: 2:51
